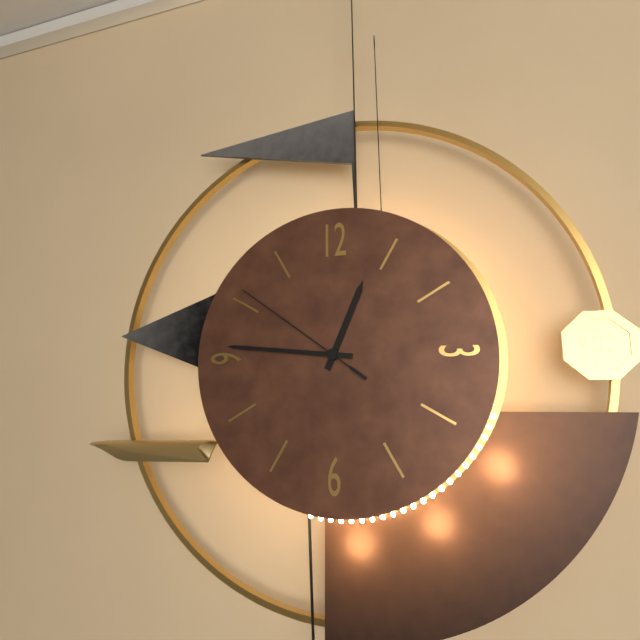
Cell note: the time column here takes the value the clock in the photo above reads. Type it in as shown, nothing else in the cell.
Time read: 12:46:51
